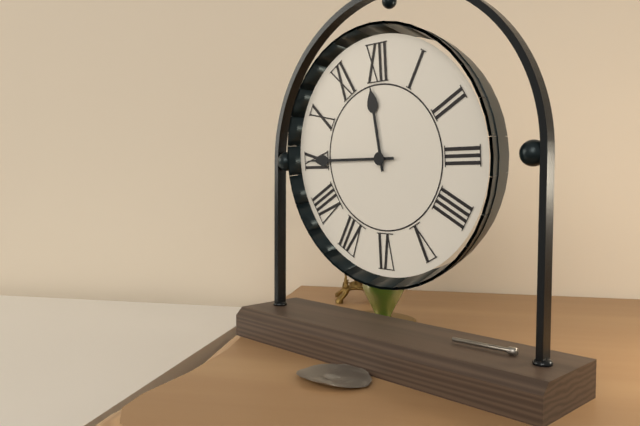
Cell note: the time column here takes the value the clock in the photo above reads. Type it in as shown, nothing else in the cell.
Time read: 11:45
